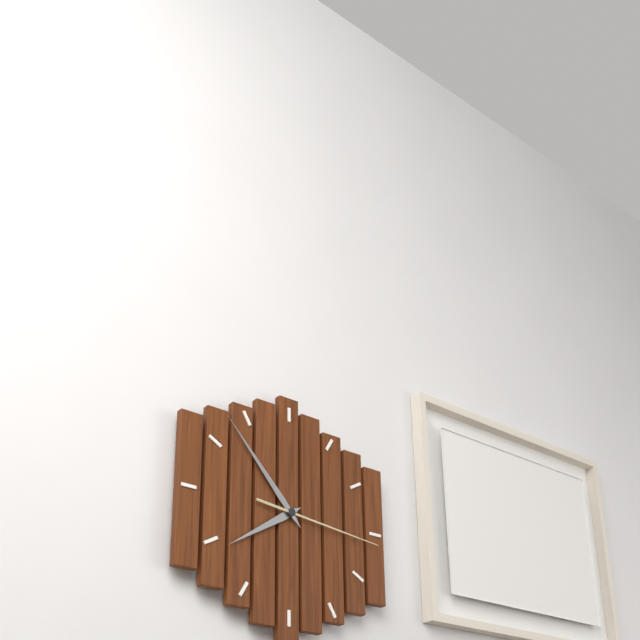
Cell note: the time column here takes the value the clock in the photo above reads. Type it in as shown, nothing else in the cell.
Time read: 7:53:16
